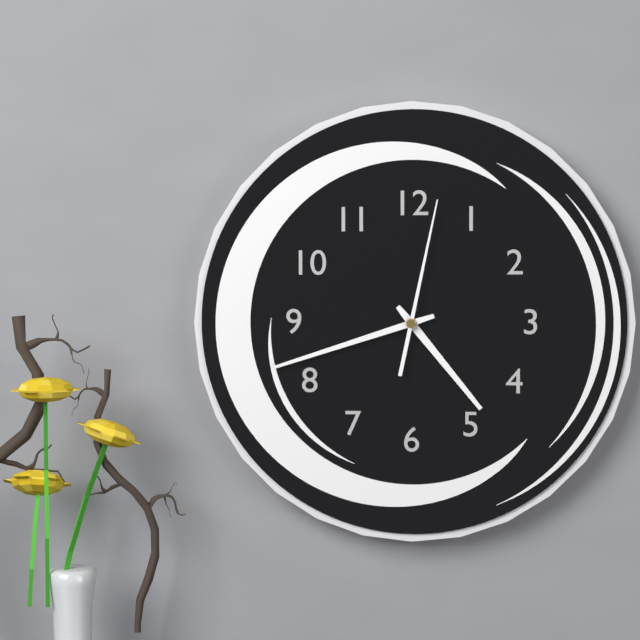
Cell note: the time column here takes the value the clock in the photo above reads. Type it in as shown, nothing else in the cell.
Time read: 4:42:02
